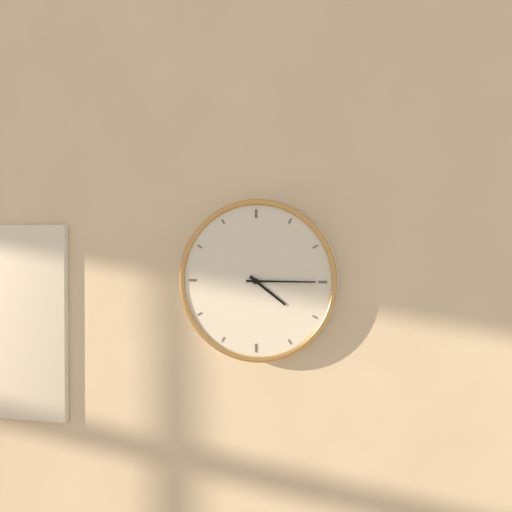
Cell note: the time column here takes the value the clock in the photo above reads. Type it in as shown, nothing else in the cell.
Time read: 4:15
